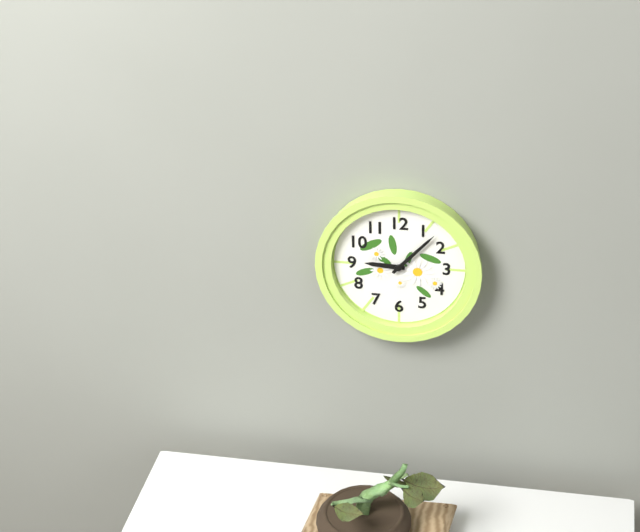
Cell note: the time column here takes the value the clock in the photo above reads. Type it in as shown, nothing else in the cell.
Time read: 9:07
